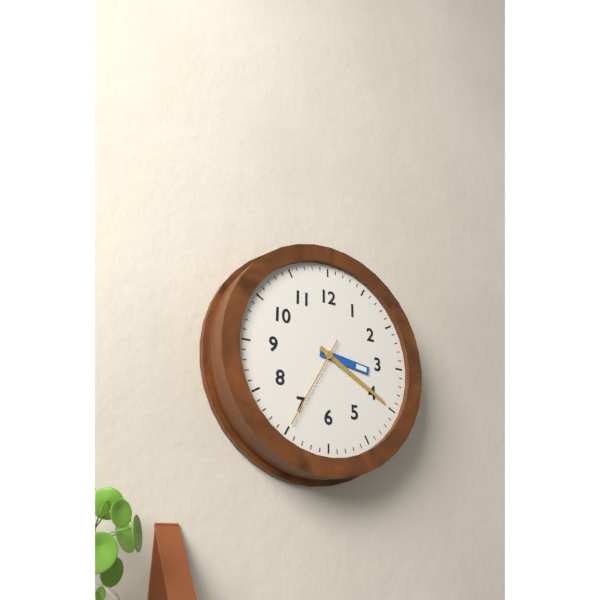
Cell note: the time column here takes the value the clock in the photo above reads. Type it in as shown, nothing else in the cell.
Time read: 3:20:35
